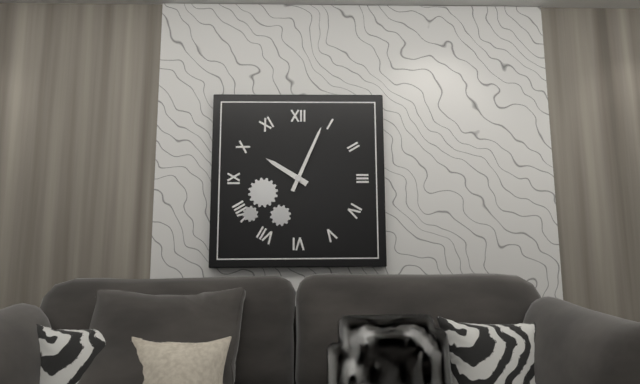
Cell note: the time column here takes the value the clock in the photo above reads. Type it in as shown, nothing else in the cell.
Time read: 10:04
